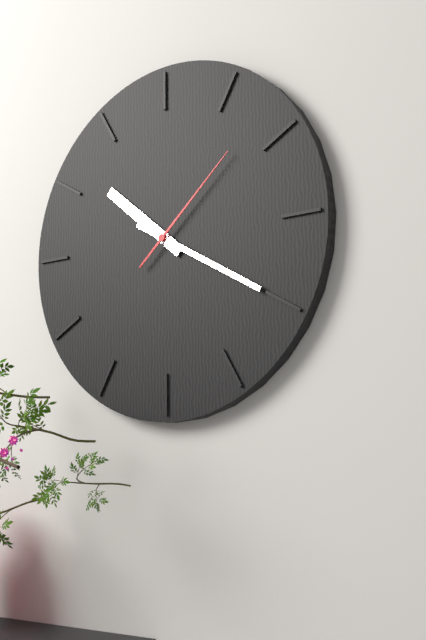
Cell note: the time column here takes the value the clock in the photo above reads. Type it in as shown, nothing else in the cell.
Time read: 10:20:08
